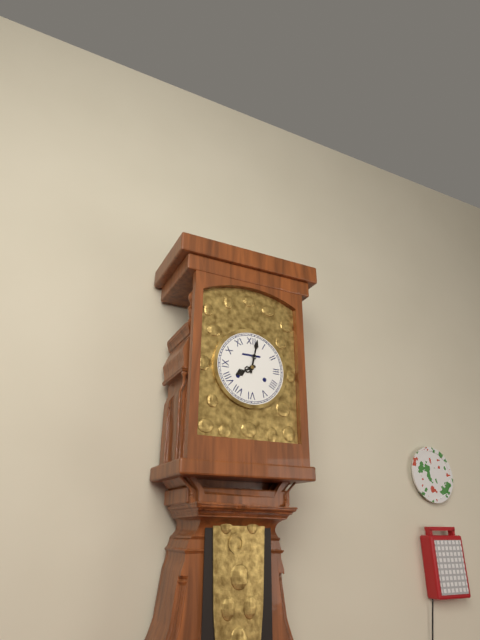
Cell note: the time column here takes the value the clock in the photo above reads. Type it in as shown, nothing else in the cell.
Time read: 8:02
